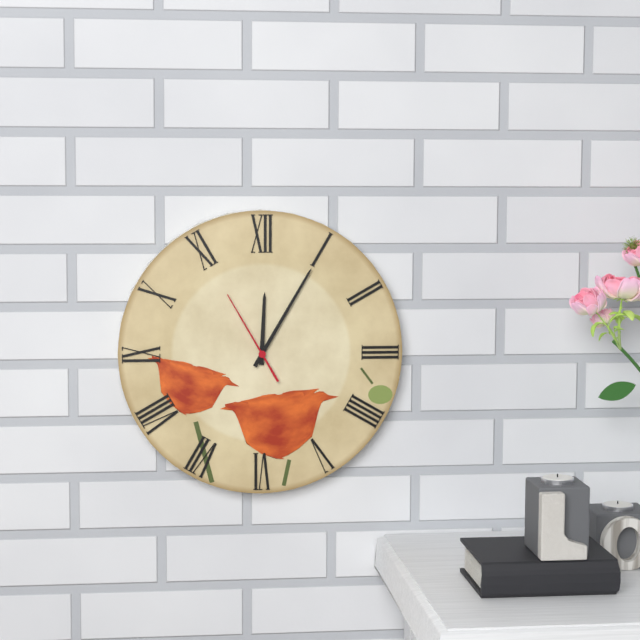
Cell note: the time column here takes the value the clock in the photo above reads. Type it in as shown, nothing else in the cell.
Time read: 12:05:55
